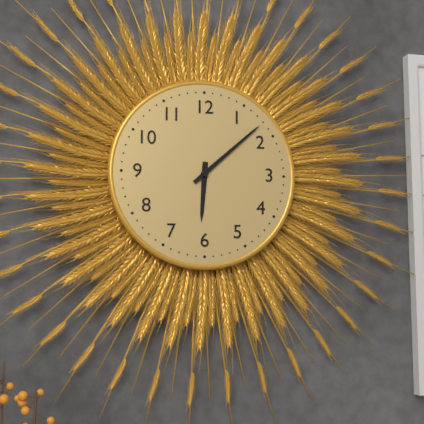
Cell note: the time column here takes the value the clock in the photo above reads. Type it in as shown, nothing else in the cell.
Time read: 6:08
